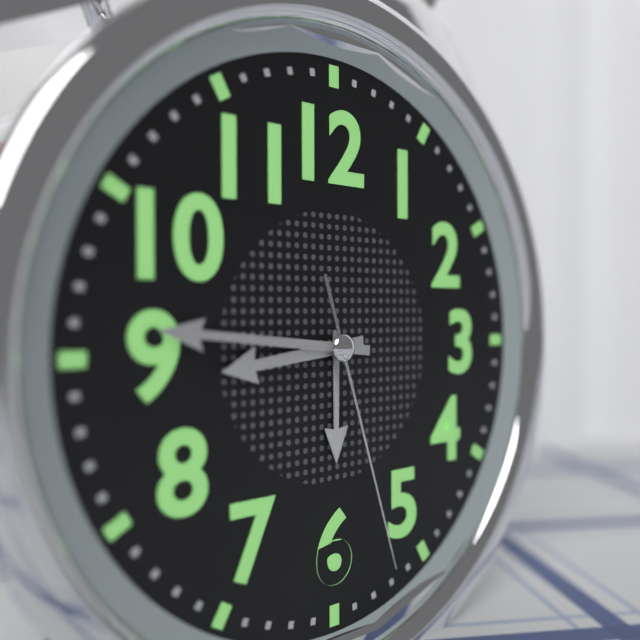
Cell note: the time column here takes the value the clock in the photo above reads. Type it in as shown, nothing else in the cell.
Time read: 8:46:27
